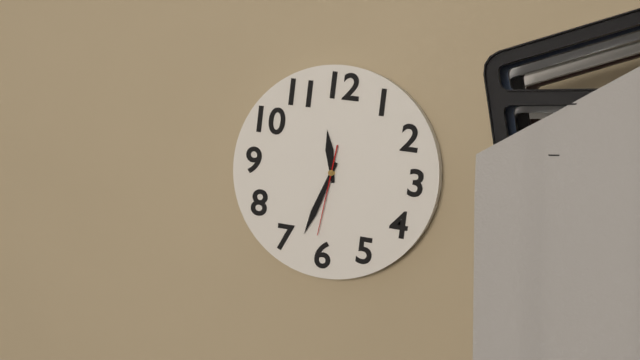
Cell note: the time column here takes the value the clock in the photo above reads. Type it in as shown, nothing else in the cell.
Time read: 11:33:31
